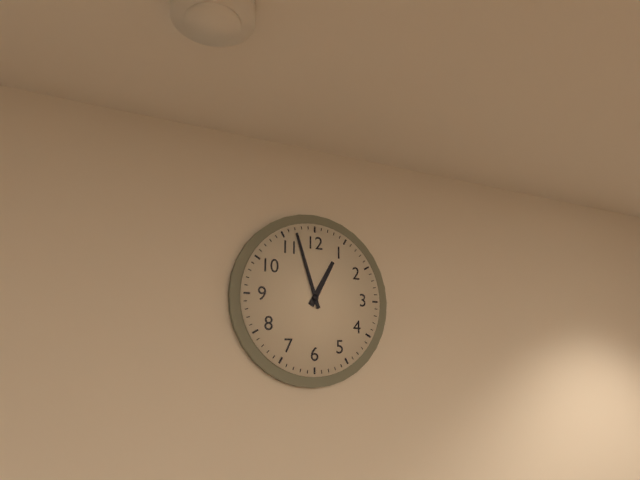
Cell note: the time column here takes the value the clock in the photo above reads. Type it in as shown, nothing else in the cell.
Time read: 12:57
